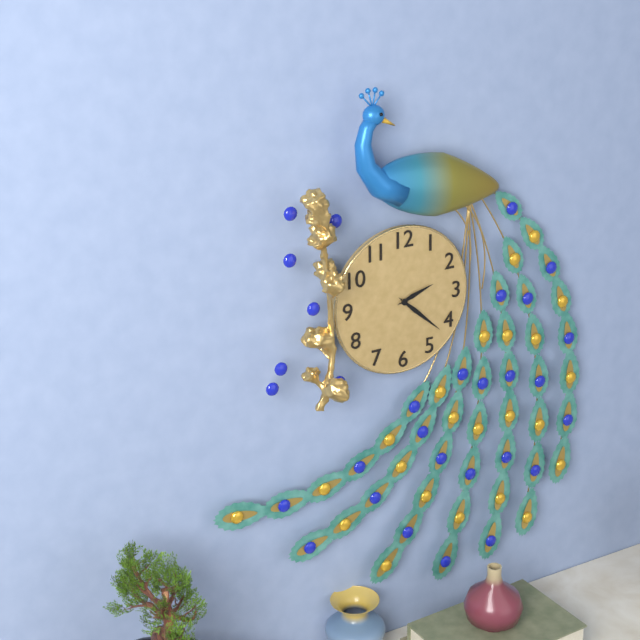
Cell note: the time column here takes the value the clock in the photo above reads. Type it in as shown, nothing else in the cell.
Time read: 2:22
